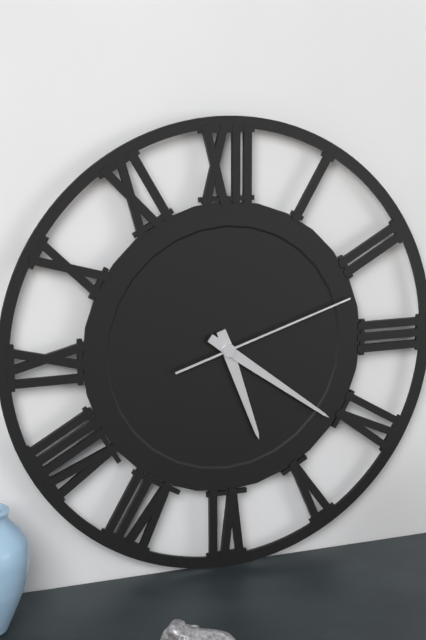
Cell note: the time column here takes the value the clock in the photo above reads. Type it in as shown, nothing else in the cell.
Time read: 5:21:12
